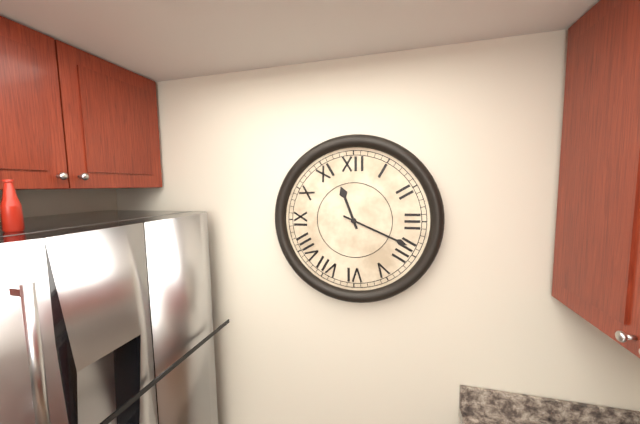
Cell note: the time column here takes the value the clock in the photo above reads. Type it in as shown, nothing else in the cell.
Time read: 11:19
